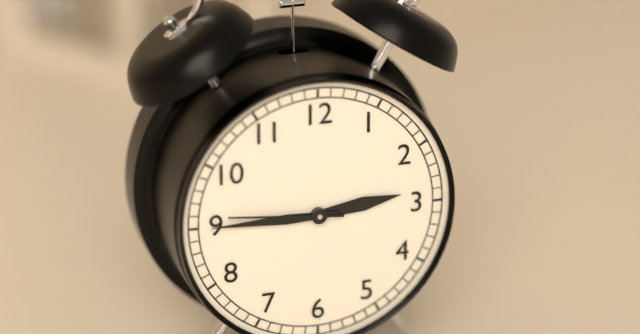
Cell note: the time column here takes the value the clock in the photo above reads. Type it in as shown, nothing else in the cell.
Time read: 2:45:46
